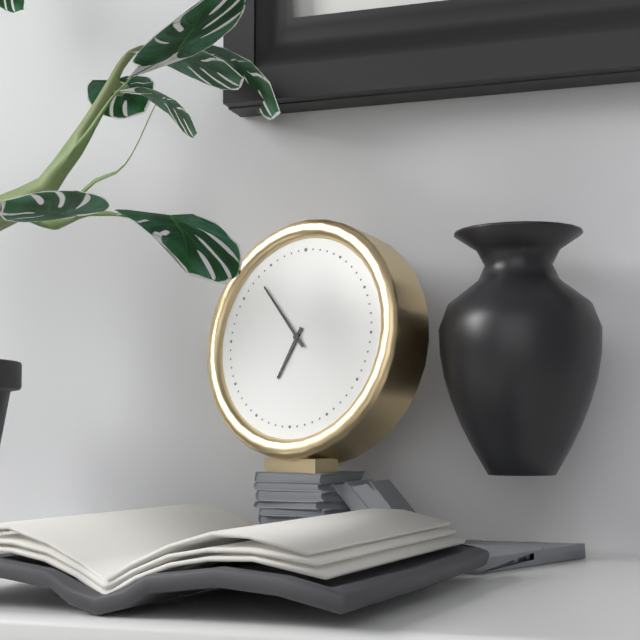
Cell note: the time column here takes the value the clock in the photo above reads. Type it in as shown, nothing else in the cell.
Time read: 6:53
